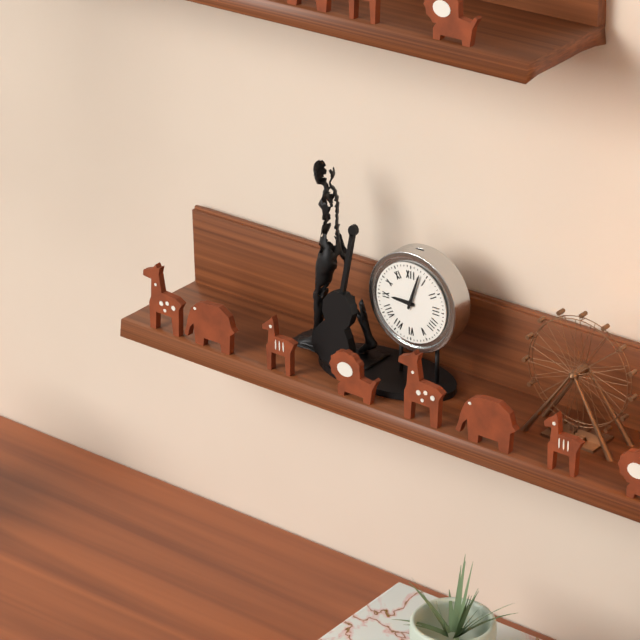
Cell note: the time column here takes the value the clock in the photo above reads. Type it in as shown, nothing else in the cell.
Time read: 9:03
